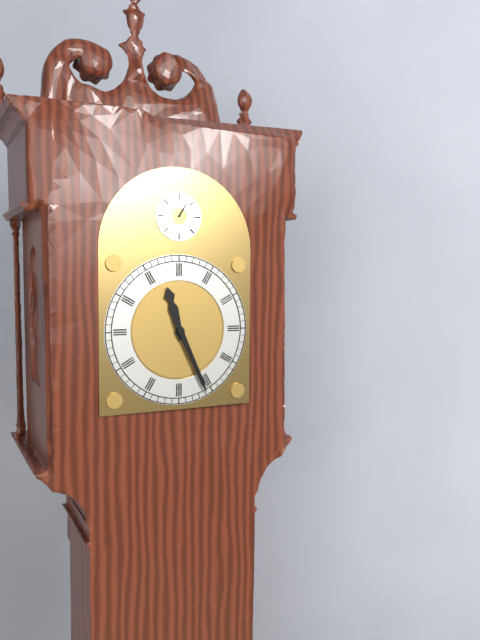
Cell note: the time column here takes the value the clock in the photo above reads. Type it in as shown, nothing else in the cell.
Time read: 11:26
